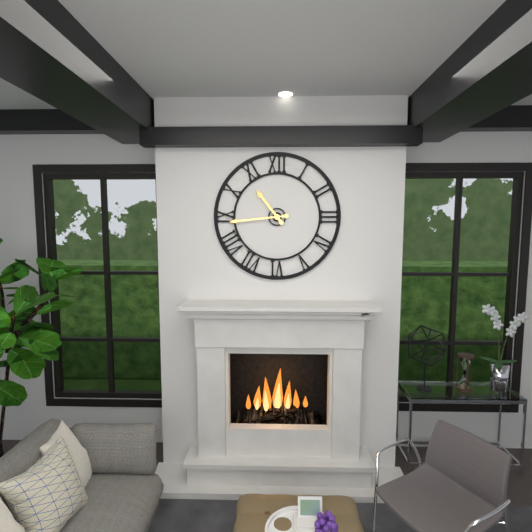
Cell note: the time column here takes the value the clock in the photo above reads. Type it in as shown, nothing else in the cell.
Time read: 10:44
